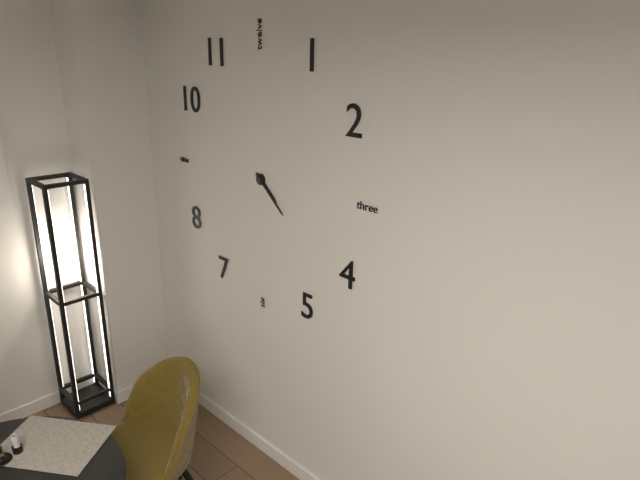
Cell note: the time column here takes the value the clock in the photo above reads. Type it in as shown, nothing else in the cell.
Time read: 4:22
